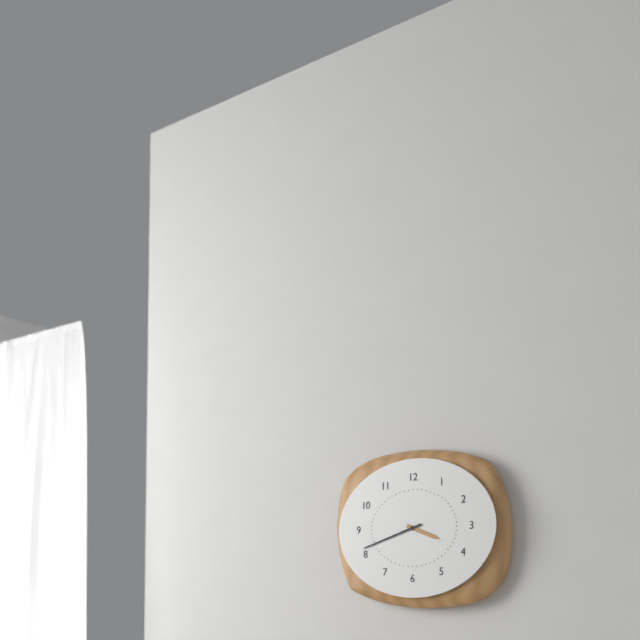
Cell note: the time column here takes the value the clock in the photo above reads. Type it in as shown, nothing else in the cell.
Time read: 3:42
